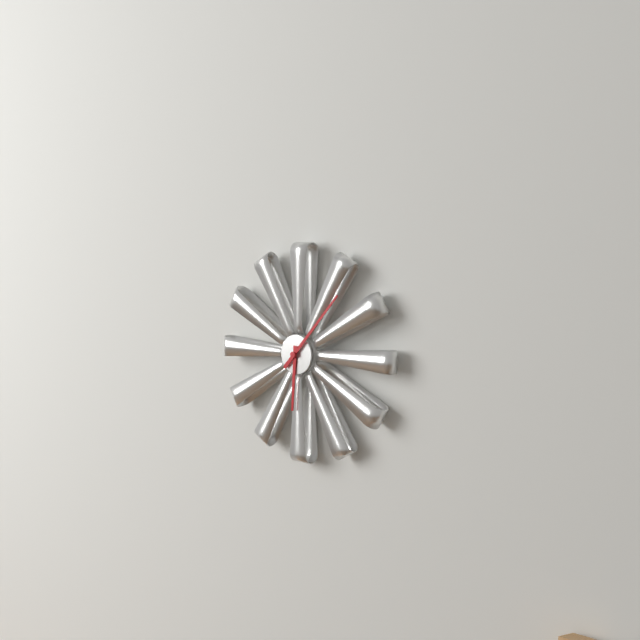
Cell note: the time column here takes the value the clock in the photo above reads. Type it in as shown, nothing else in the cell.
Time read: 6:07
